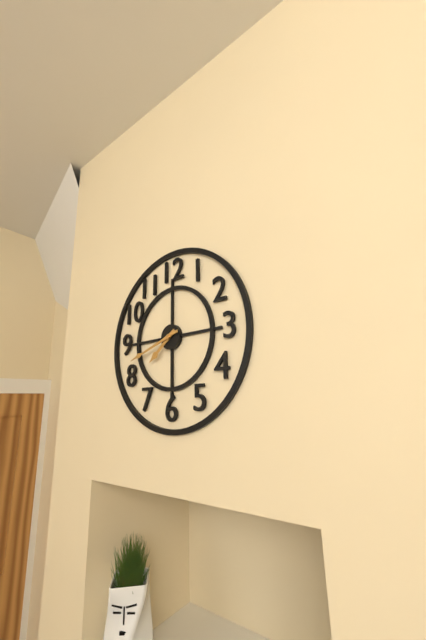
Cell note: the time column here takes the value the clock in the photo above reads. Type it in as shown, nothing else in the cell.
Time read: 7:42
